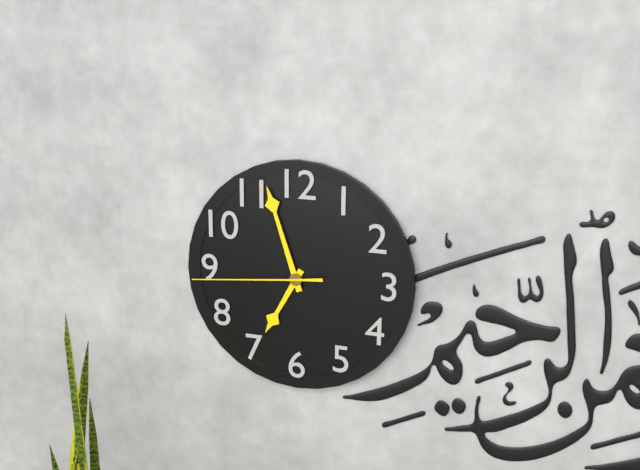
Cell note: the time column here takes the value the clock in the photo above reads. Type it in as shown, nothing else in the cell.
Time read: 6:57:44
